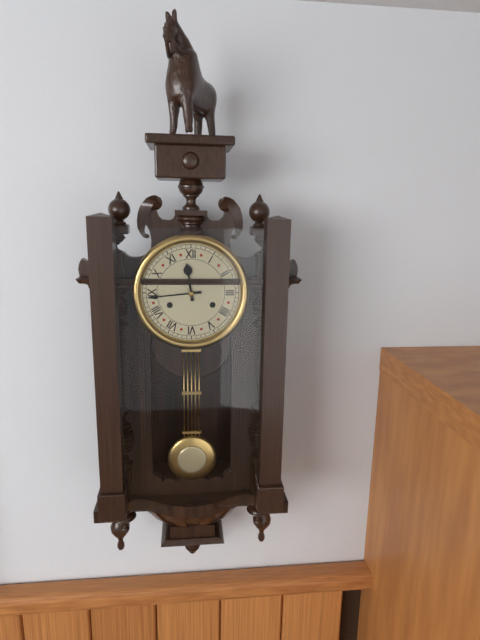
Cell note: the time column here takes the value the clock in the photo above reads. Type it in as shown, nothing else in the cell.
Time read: 11:44
